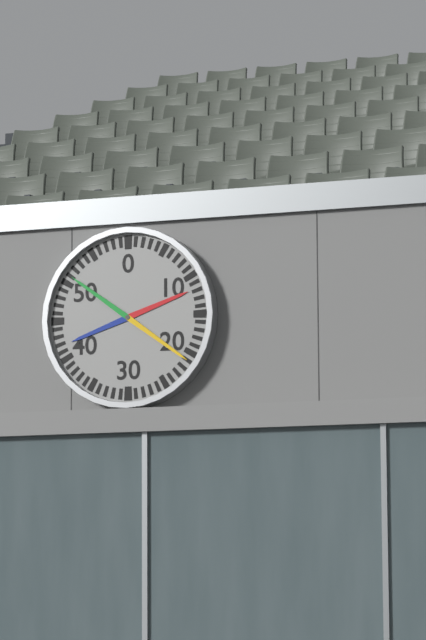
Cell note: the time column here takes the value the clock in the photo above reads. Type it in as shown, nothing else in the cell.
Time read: 2:21
